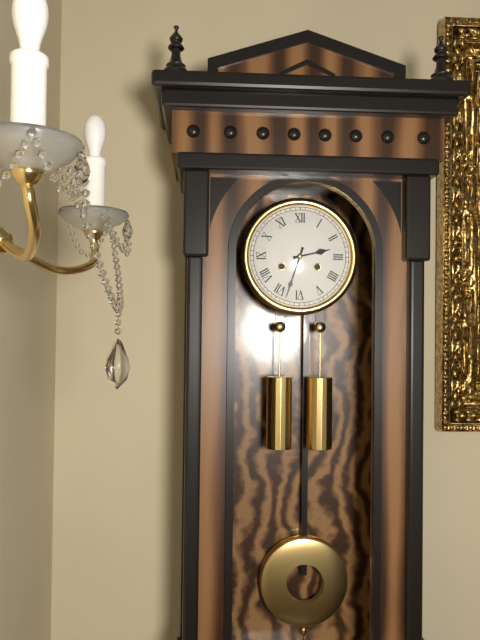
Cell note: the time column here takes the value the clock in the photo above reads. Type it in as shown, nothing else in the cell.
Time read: 2:33
